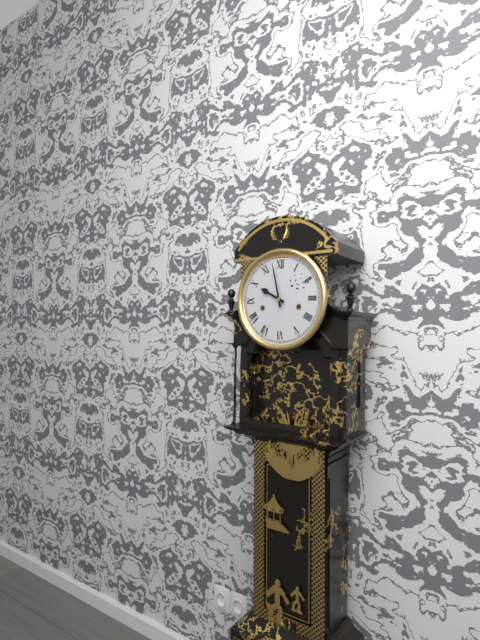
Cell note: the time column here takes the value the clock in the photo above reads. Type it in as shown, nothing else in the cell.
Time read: 9:58
